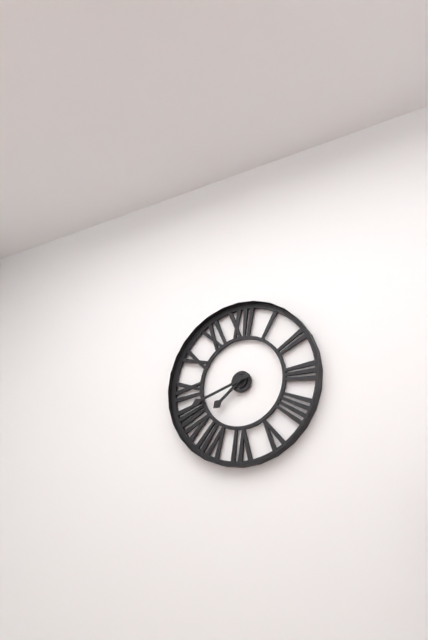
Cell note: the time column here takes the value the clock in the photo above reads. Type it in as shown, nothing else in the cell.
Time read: 7:42
